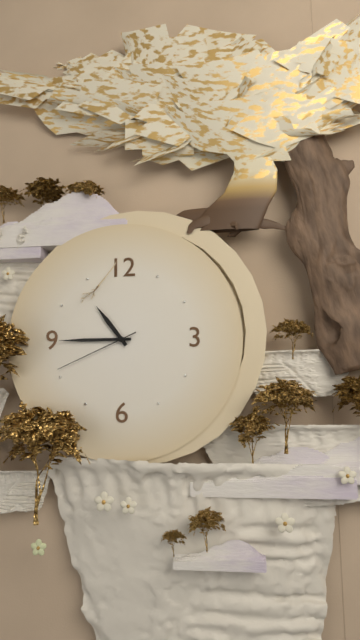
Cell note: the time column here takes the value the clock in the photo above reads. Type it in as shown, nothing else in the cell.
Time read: 10:45:41
